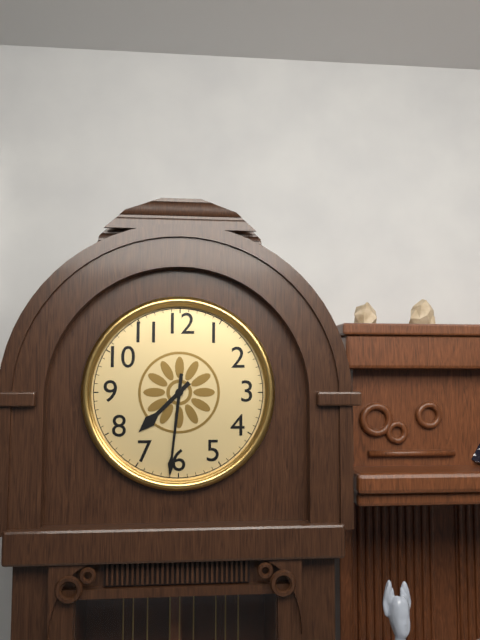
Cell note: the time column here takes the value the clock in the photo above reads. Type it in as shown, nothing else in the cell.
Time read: 7:31
